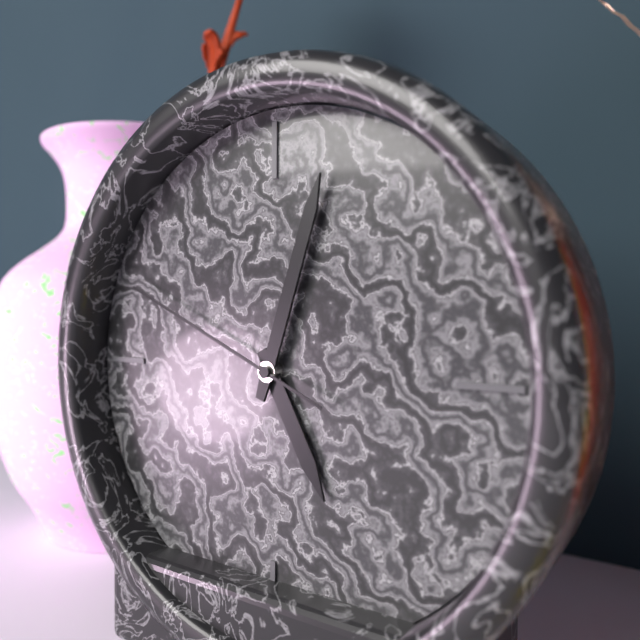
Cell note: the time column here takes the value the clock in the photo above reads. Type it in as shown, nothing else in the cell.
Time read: 5:03:49
